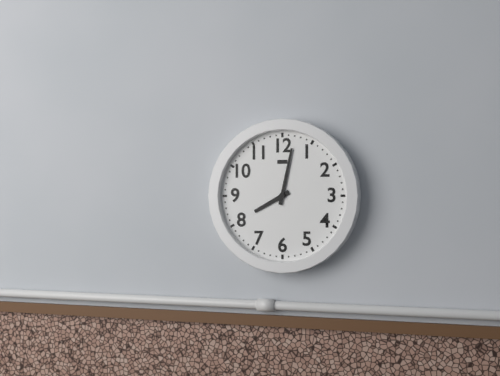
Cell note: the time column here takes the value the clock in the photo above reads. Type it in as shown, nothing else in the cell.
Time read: 8:02
